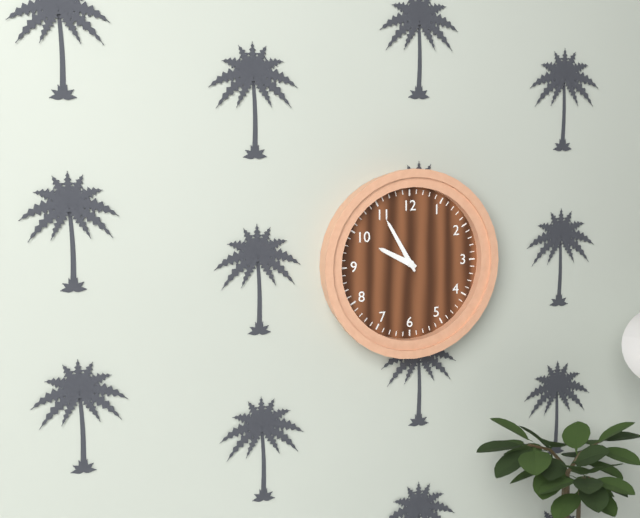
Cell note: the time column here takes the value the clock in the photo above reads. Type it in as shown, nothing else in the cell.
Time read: 9:55
